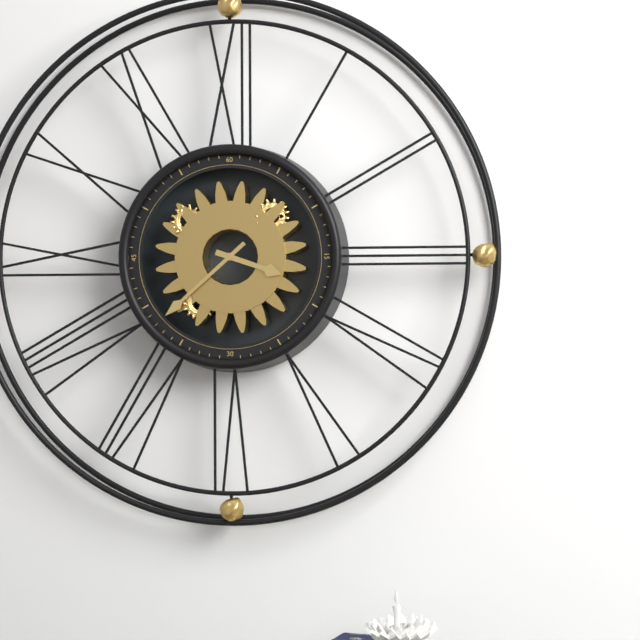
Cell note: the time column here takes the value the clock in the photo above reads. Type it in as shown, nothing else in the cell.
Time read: 3:38
